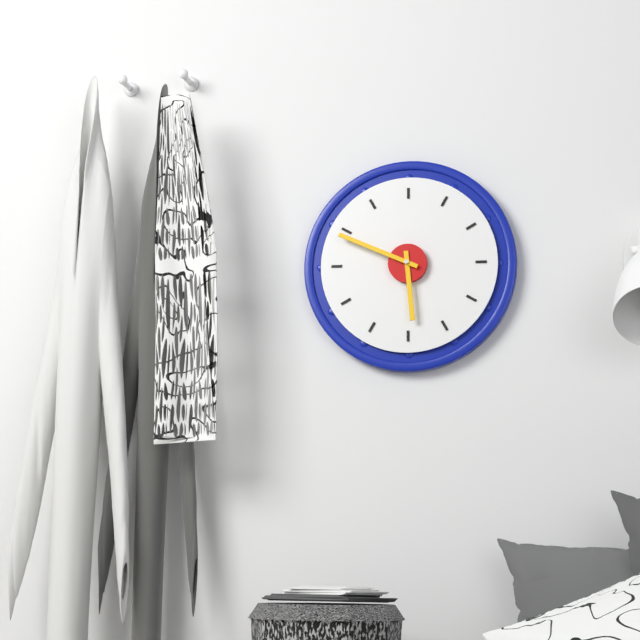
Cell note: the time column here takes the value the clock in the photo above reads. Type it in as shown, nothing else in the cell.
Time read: 5:49
